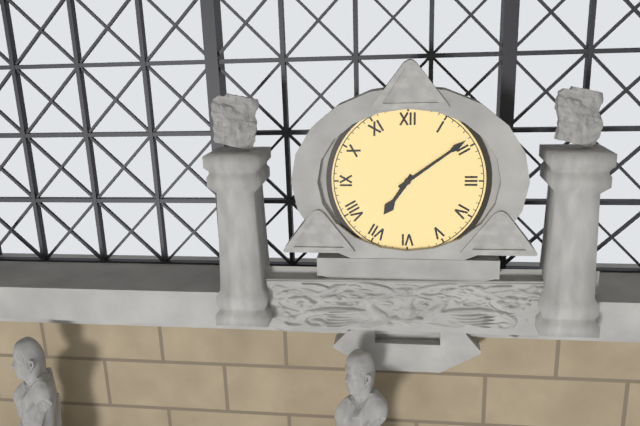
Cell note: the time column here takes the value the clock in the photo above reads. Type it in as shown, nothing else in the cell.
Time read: 7:09
